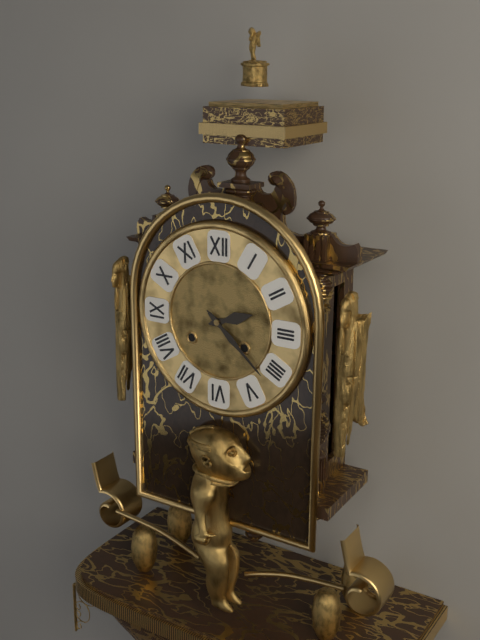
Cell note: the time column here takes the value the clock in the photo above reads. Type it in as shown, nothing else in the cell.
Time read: 2:22
